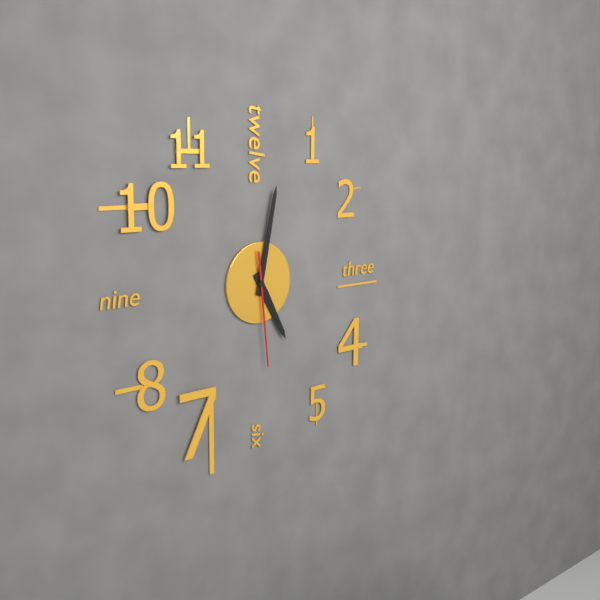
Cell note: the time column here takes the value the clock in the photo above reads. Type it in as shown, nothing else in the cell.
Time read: 5:02:29
